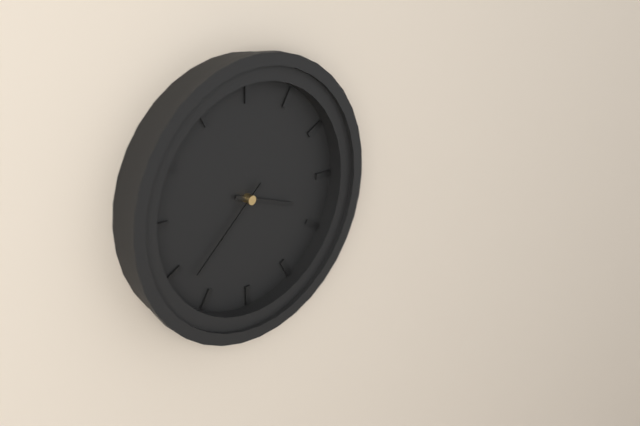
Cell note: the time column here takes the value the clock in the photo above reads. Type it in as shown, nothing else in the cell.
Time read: 3:38
